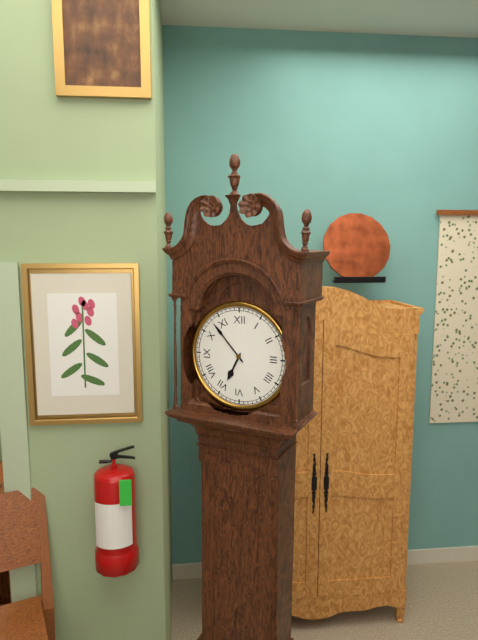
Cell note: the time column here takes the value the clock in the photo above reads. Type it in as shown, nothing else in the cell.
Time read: 6:53
